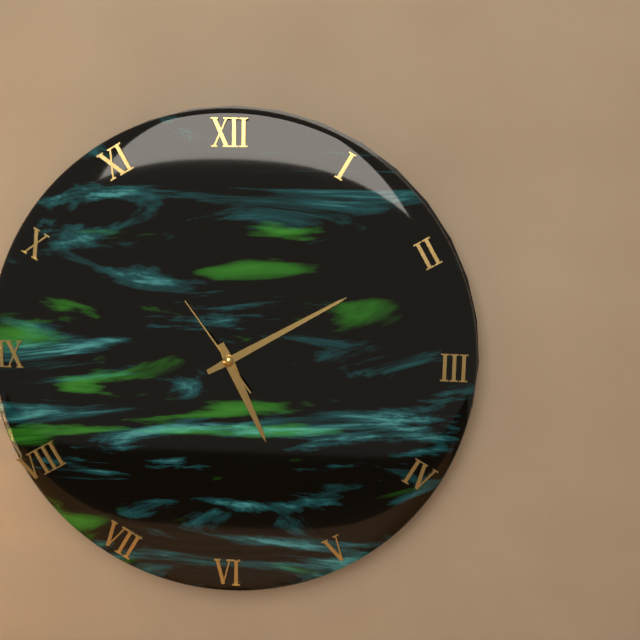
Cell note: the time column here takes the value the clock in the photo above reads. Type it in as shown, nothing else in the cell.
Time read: 5:10:54
